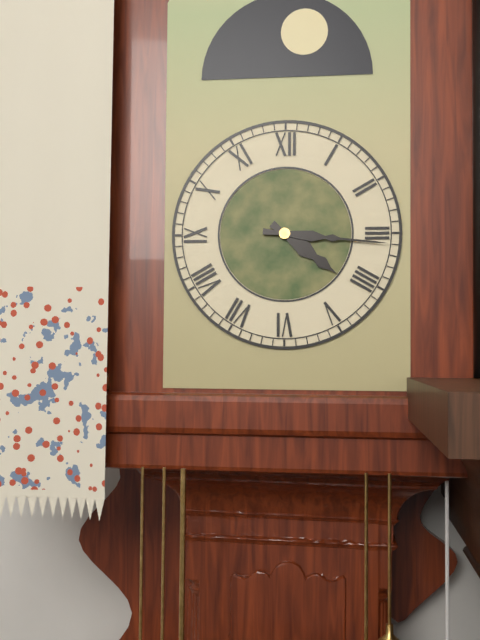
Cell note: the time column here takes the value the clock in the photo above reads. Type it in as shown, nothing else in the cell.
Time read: 4:16
